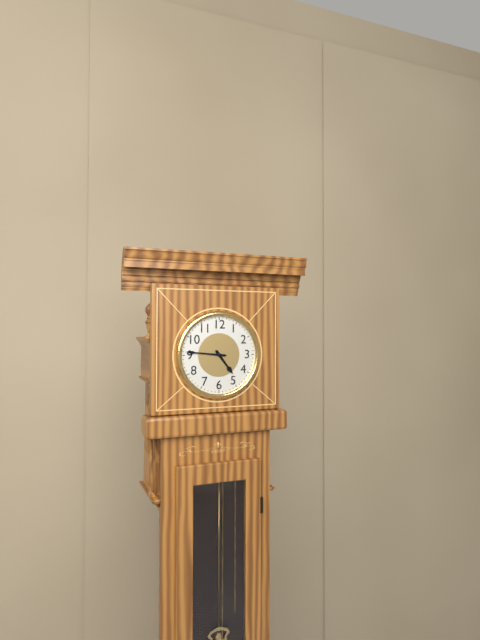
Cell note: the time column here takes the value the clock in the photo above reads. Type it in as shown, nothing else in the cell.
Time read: 4:46
